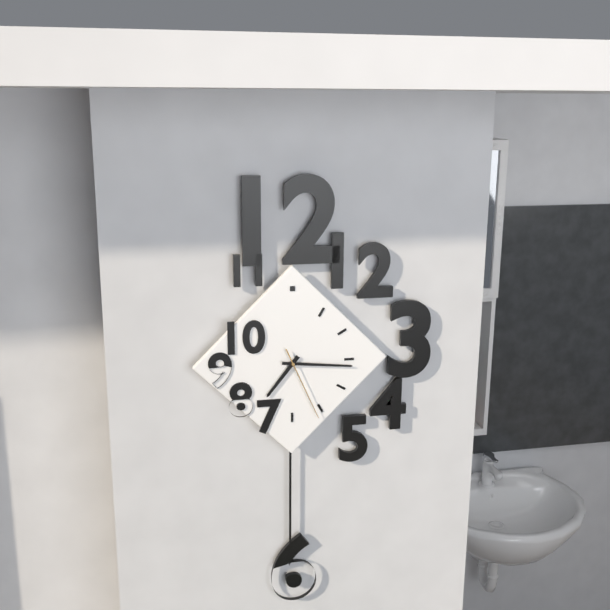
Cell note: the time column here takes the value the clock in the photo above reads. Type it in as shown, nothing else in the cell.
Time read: 7:16:26
